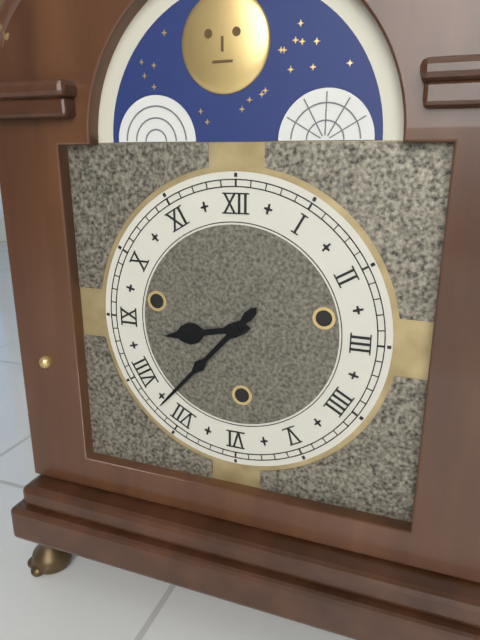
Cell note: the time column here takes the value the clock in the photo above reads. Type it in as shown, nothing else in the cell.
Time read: 8:37
